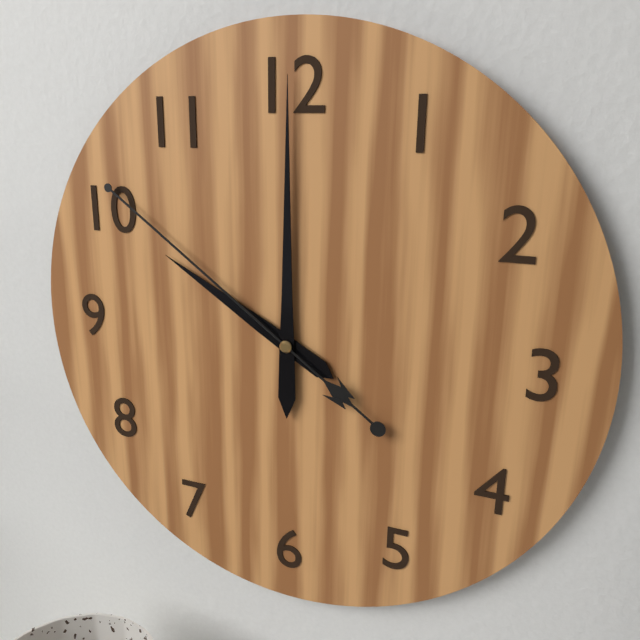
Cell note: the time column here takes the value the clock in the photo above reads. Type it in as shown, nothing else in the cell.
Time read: 10:00:51
